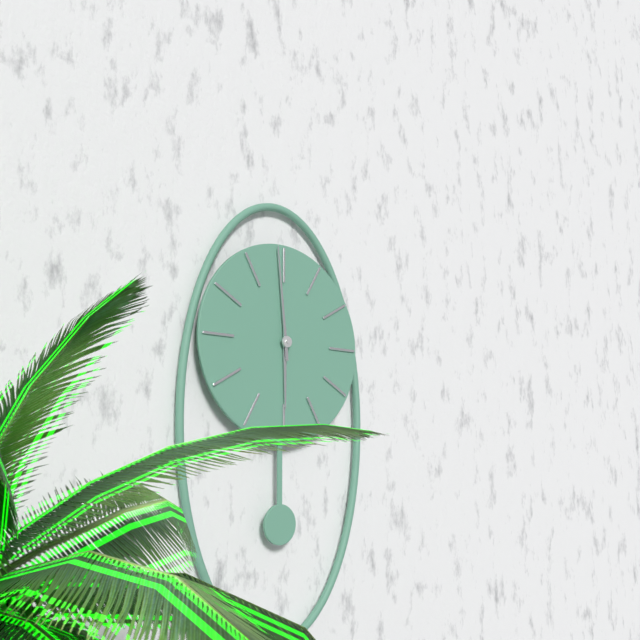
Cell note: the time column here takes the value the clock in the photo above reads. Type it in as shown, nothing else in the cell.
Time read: 5:59
